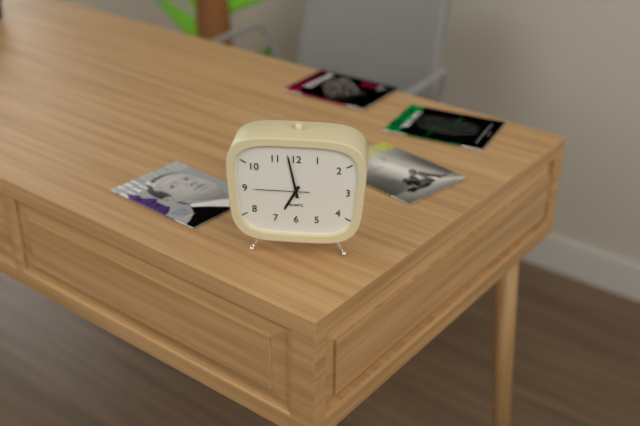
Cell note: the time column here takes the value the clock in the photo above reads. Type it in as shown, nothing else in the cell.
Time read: 6:58:45
